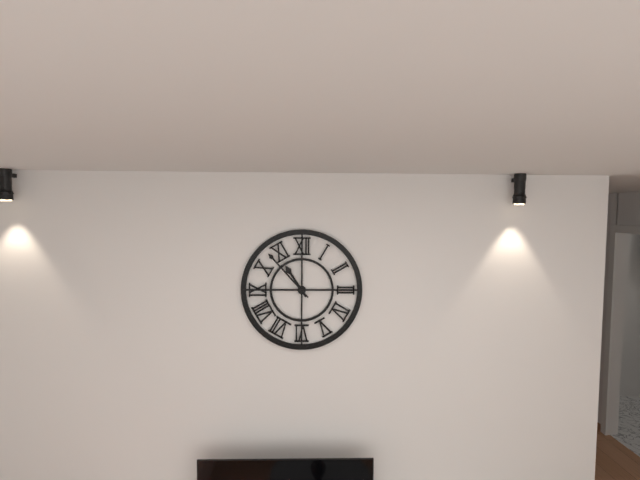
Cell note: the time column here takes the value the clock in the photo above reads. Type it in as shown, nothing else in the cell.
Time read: 10:53
